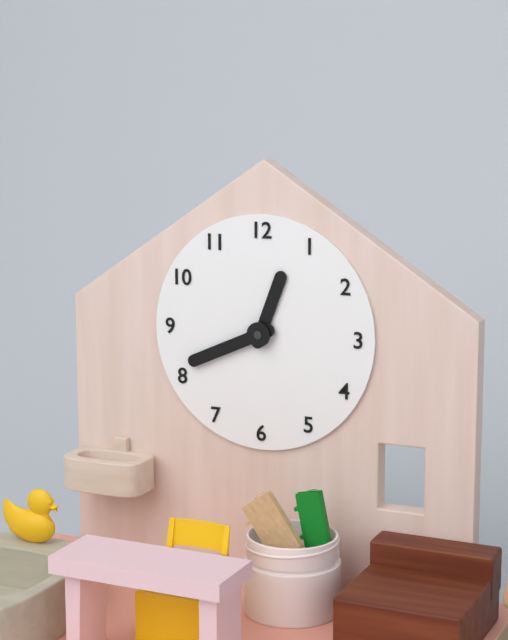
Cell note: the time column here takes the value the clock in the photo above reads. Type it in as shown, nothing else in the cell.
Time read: 12:41
